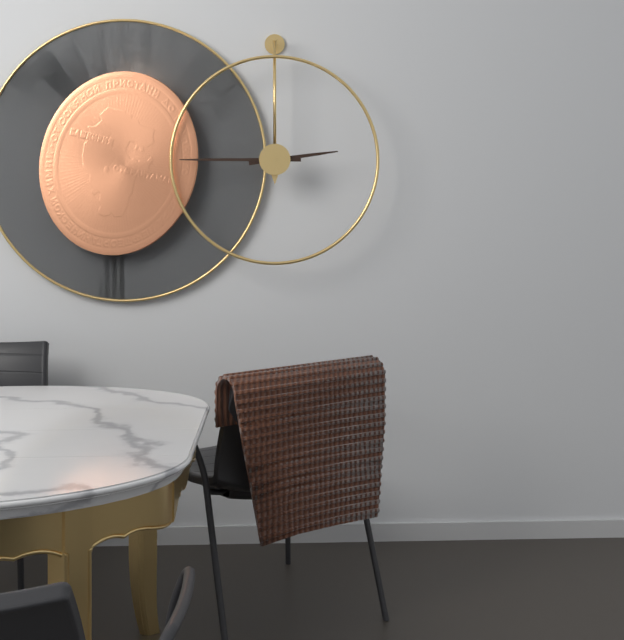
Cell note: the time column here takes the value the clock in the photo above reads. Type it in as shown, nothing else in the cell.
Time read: 2:45
